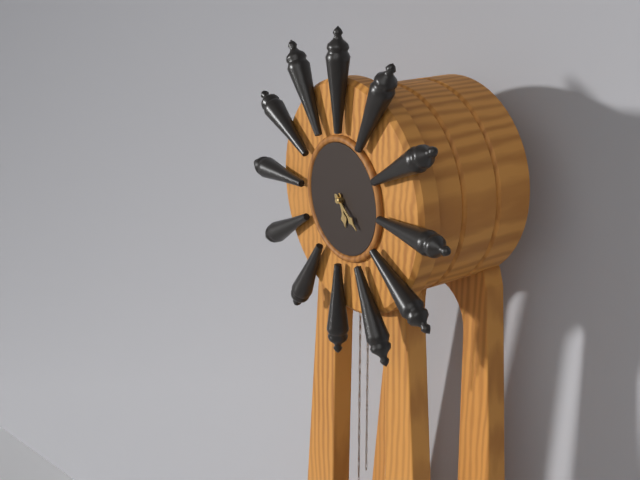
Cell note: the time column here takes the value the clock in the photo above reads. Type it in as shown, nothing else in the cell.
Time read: 5:21
